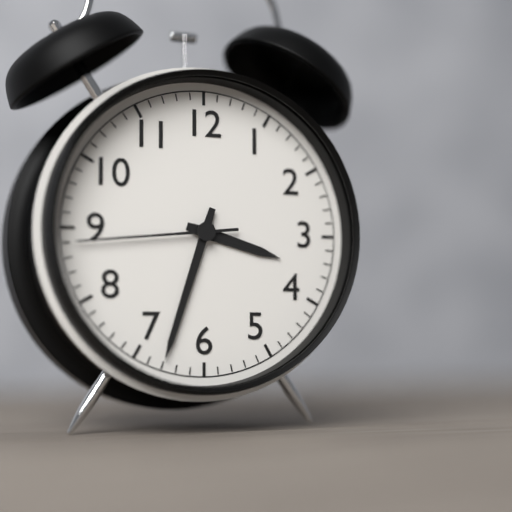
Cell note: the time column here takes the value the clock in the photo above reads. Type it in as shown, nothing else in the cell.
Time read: 3:33:44
